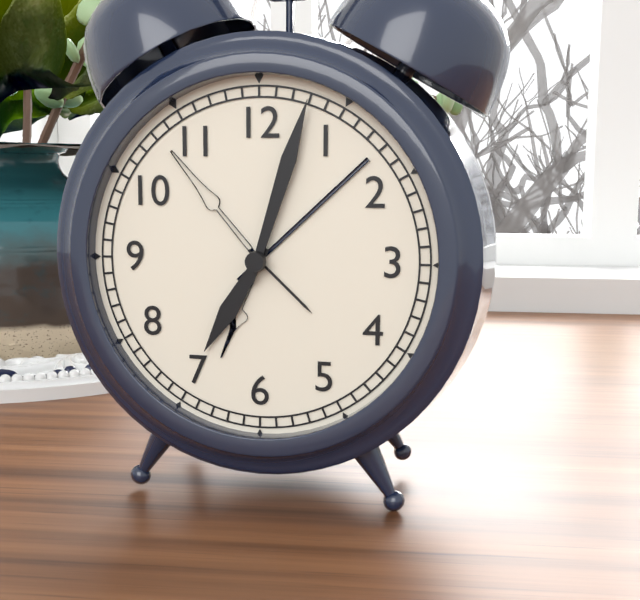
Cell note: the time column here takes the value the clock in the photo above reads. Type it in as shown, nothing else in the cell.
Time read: 7:03
